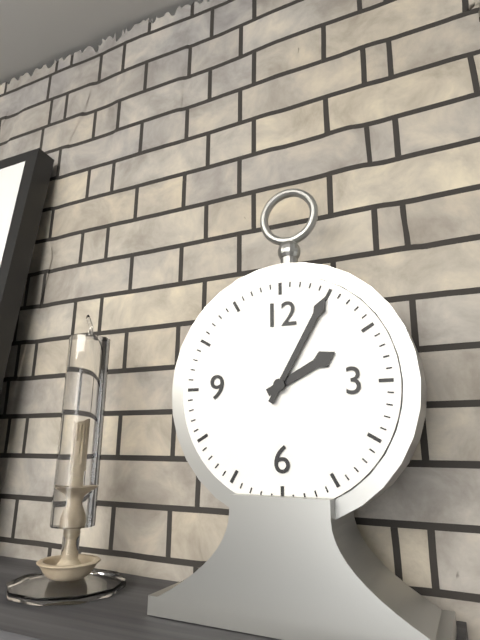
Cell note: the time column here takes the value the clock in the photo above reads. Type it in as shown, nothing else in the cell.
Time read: 2:05
